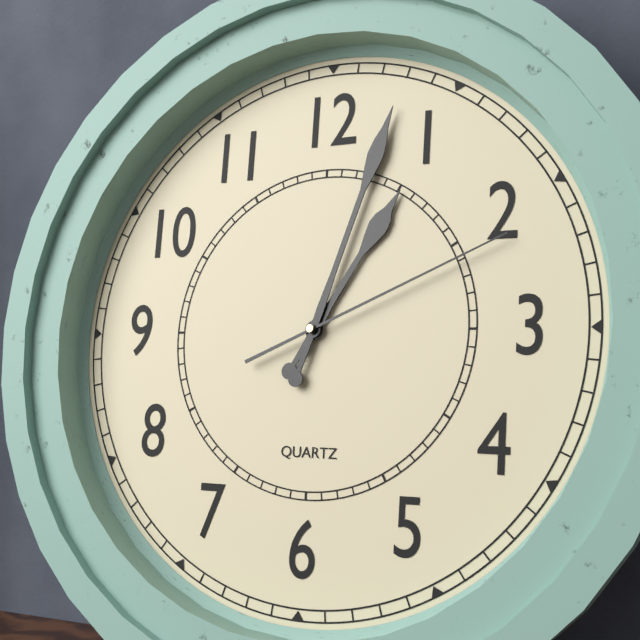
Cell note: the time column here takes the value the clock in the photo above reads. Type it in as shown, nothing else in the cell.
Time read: 1:03:11
